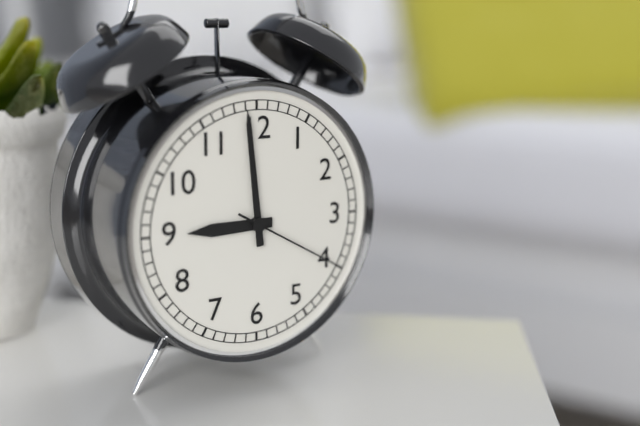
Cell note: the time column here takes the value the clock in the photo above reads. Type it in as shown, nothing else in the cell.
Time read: 8:59:20
